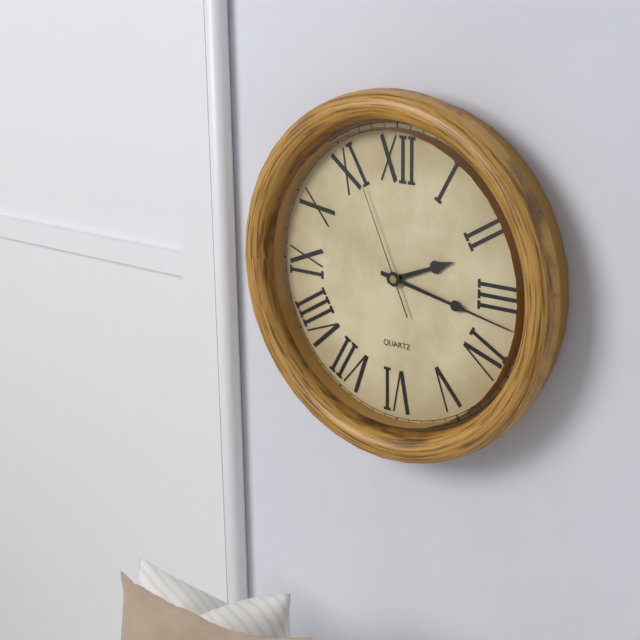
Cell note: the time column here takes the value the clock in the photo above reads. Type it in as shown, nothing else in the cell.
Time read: 2:17:56
